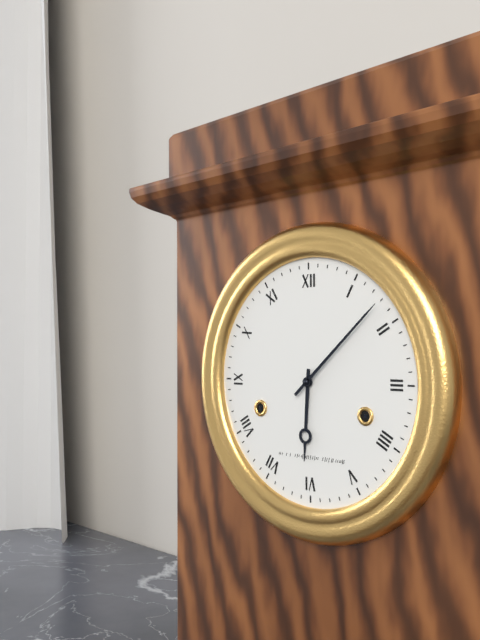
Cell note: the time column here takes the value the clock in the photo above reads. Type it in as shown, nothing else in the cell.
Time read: 6:08
